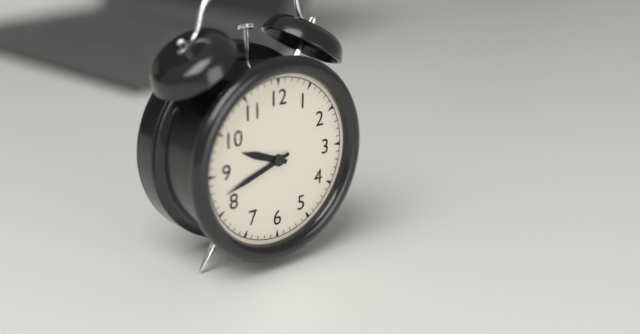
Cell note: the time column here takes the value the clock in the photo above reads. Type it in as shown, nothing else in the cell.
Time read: 9:42
